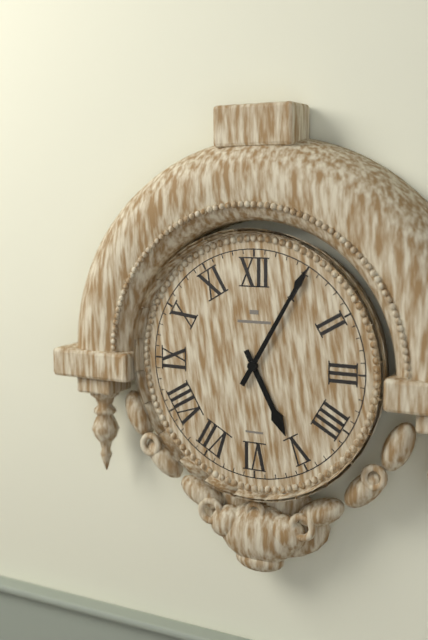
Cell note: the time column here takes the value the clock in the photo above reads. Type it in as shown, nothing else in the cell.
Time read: 5:05
